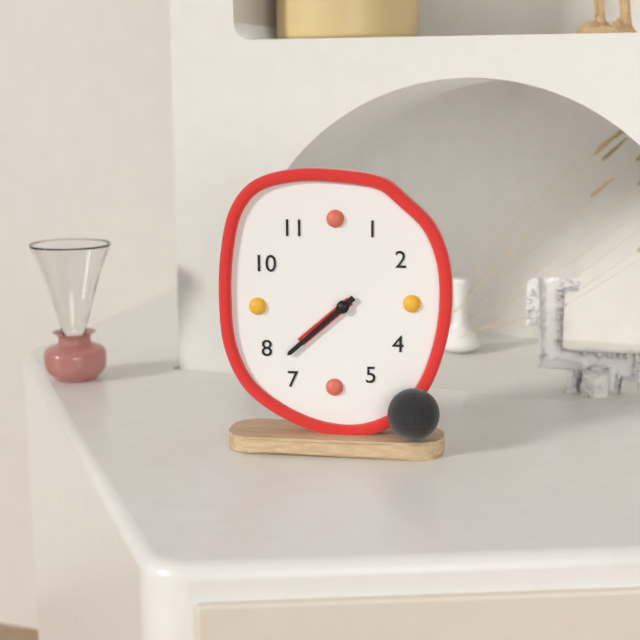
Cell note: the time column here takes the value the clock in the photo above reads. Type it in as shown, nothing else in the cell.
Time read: 7:38
